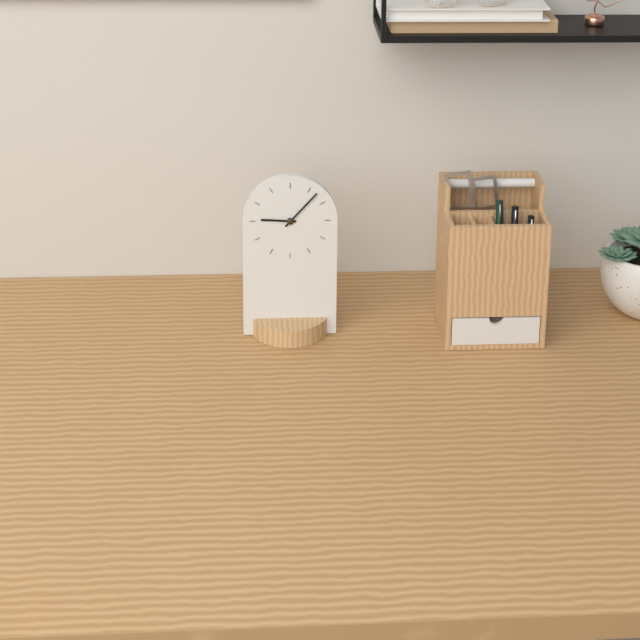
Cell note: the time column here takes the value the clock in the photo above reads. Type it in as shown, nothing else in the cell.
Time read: 9:07
